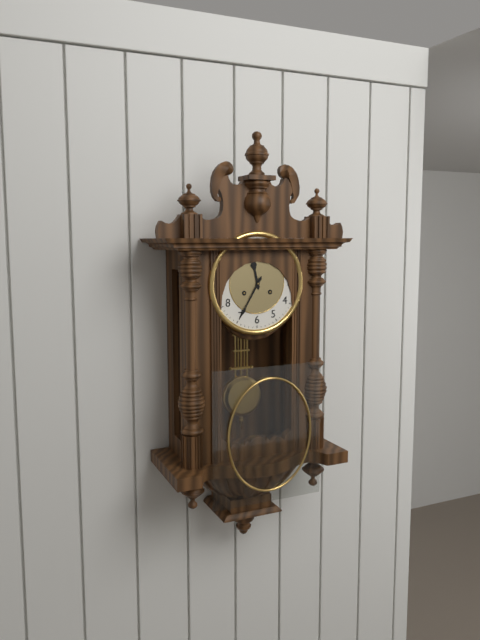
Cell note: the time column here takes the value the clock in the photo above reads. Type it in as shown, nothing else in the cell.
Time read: 11:35
